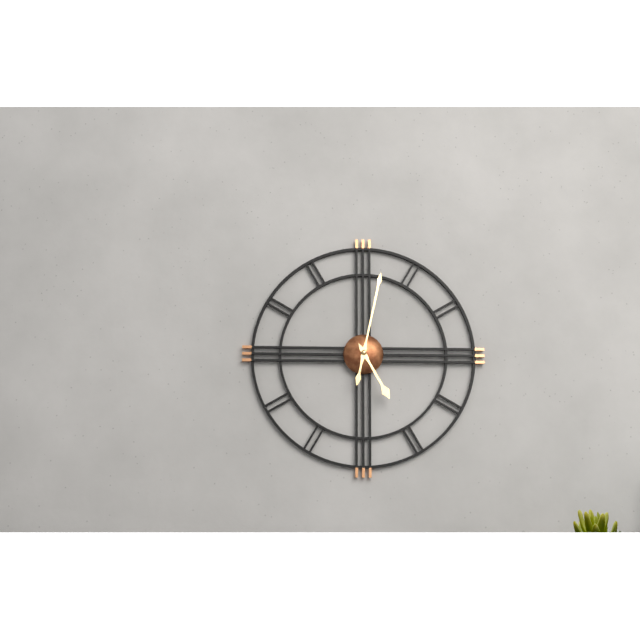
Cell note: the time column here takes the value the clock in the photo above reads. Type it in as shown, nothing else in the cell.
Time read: 5:02
